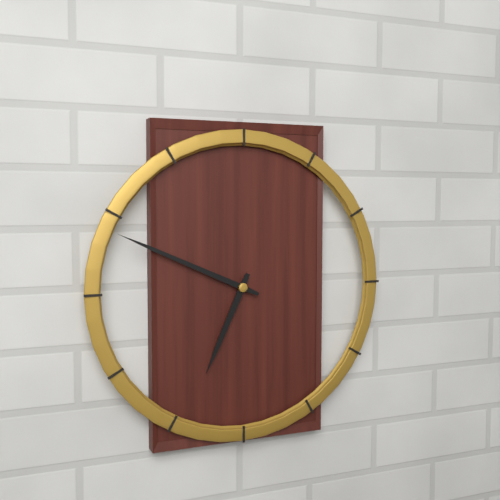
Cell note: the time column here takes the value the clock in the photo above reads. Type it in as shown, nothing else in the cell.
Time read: 6:49
